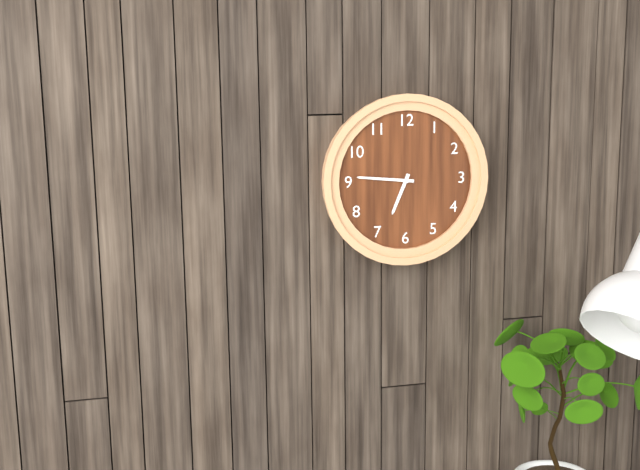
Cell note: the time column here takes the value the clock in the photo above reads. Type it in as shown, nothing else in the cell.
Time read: 6:46
